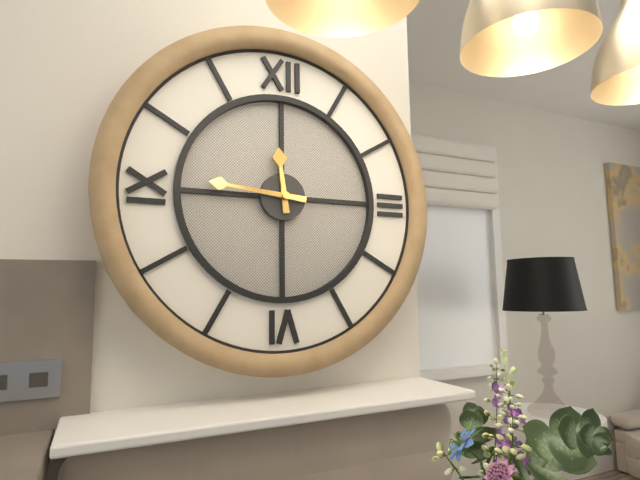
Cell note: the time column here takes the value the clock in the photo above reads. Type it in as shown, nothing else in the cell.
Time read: 11:46
